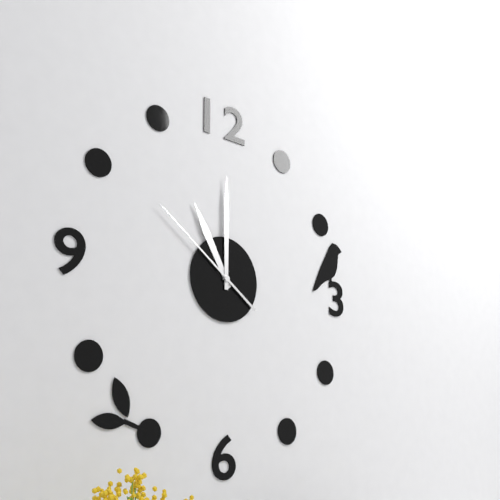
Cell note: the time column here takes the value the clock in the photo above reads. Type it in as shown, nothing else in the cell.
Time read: 11:00:51
